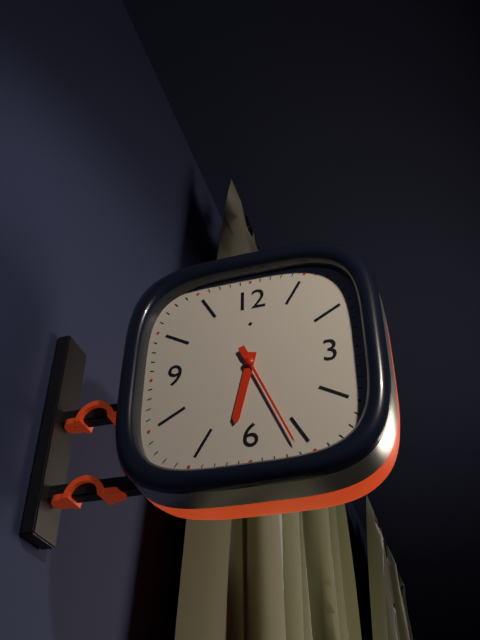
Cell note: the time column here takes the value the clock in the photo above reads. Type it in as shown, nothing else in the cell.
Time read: 6:26
